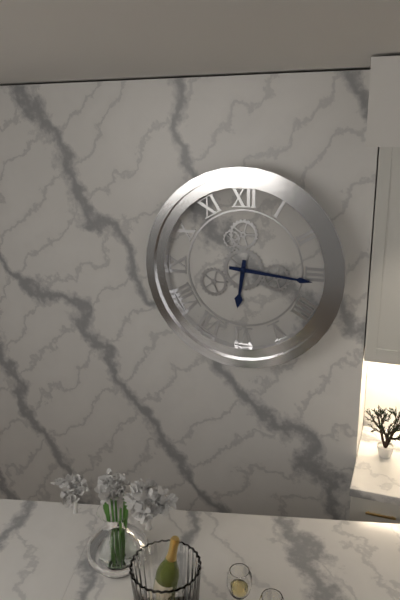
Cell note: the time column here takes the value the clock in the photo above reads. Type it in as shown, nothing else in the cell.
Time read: 6:16
